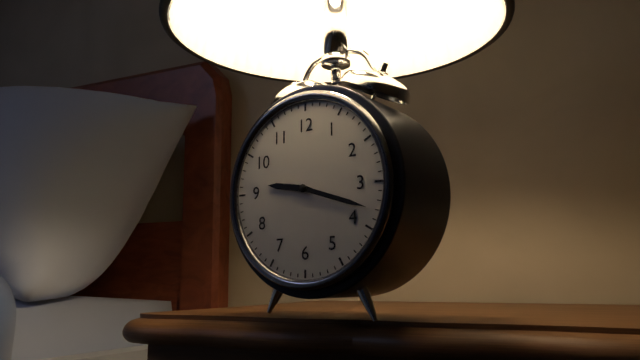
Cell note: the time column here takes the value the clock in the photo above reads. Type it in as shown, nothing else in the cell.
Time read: 9:18
